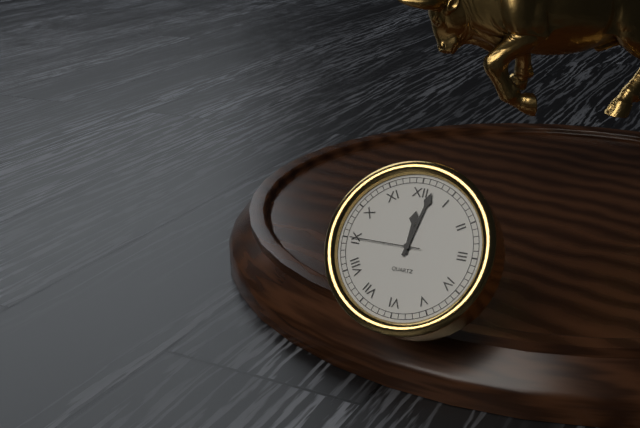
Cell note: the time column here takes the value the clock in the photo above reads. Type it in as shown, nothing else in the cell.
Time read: 12:02:45
